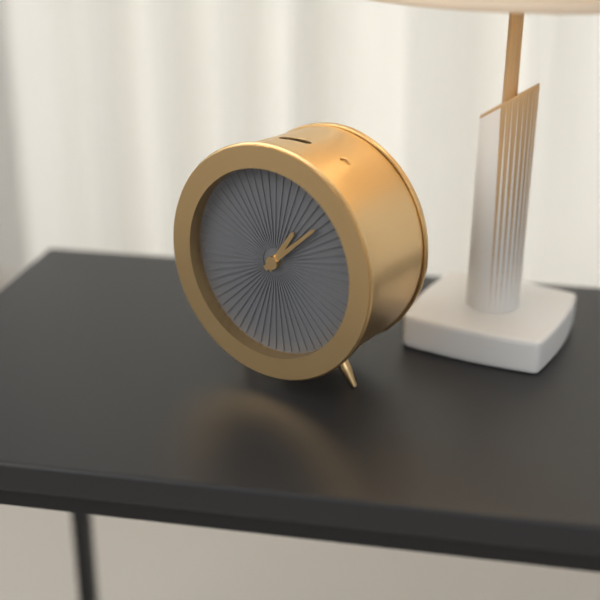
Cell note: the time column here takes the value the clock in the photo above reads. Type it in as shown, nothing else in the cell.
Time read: 1:08
